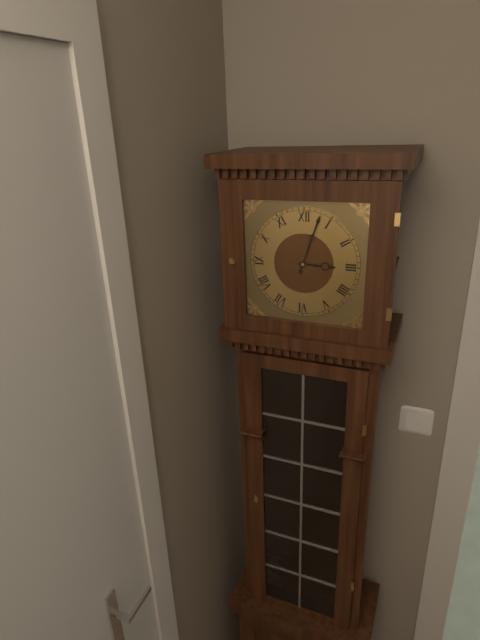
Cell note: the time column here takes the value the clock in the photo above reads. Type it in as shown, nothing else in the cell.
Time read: 3:03
